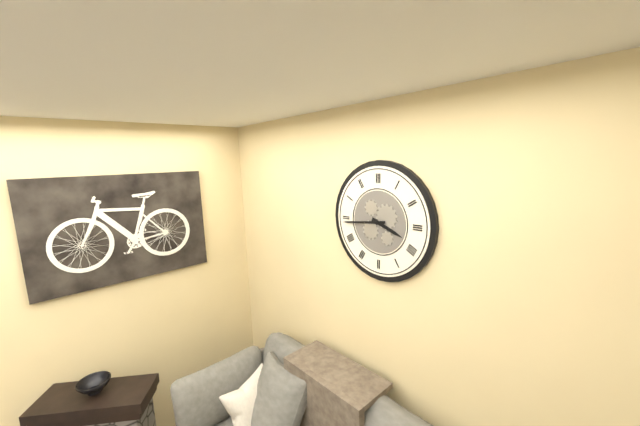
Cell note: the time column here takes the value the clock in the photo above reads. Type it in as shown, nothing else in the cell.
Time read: 3:44
